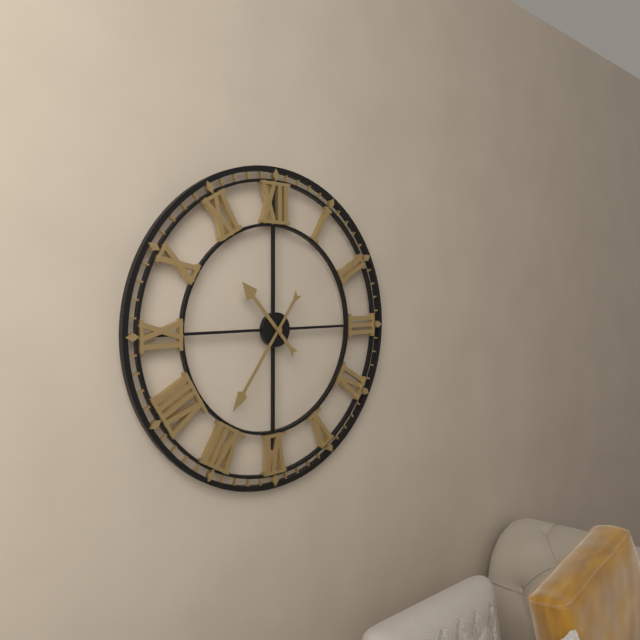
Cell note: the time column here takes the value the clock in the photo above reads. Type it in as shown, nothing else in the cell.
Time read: 10:36
